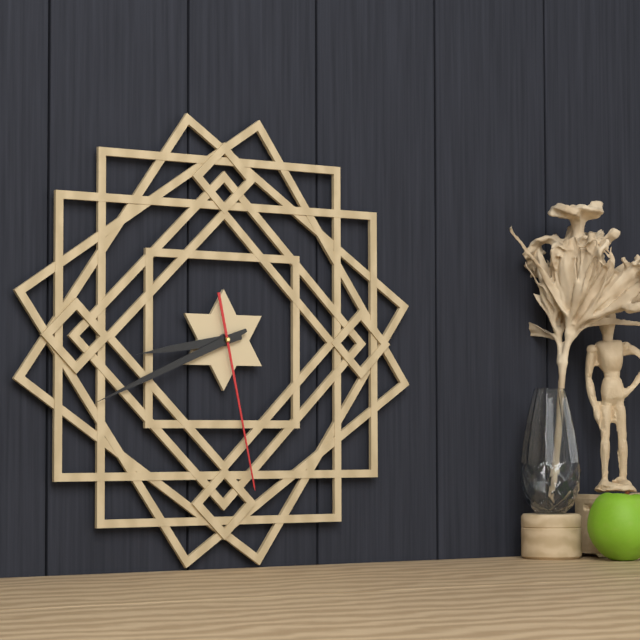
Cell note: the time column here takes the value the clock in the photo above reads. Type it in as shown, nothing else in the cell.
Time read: 8:41:28
